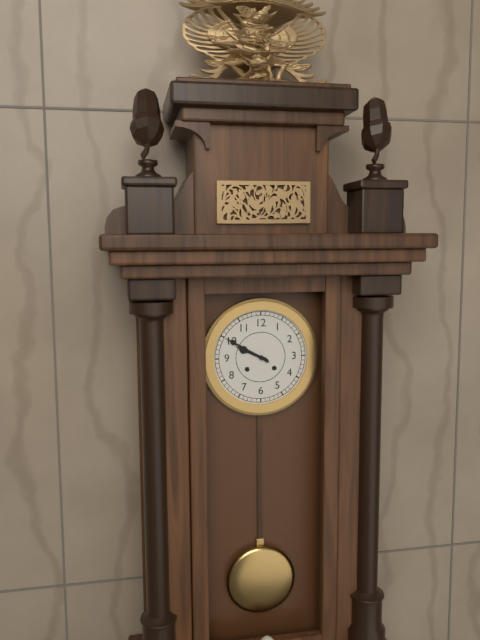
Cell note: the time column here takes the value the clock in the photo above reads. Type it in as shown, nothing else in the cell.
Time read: 9:50
